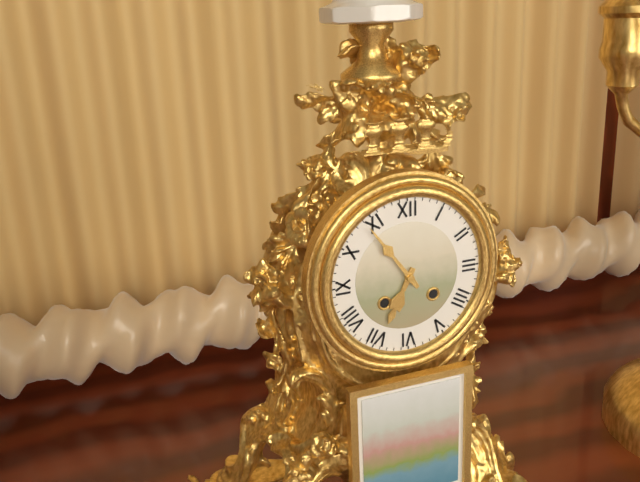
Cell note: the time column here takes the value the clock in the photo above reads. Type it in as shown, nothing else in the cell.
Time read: 6:54
